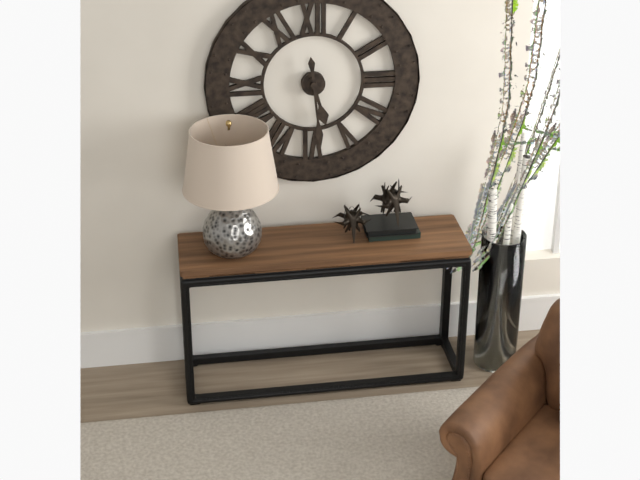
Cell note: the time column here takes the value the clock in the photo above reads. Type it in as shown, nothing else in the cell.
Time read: 5:29
